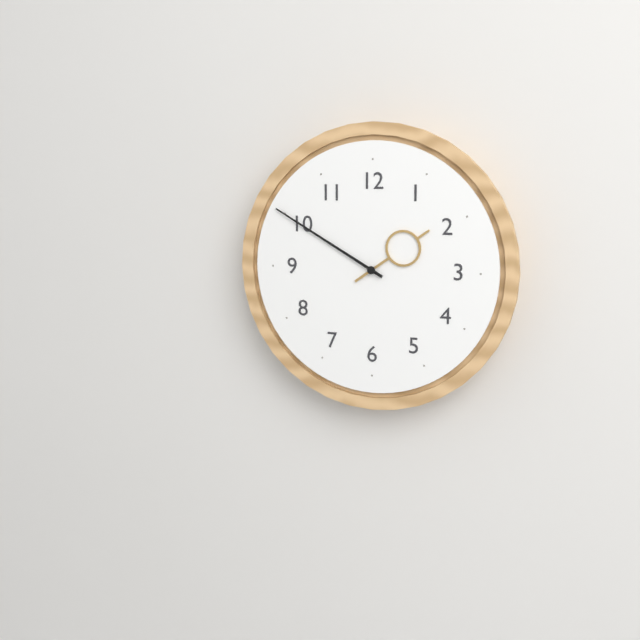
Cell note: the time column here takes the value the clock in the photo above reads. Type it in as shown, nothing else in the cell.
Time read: 1:50
